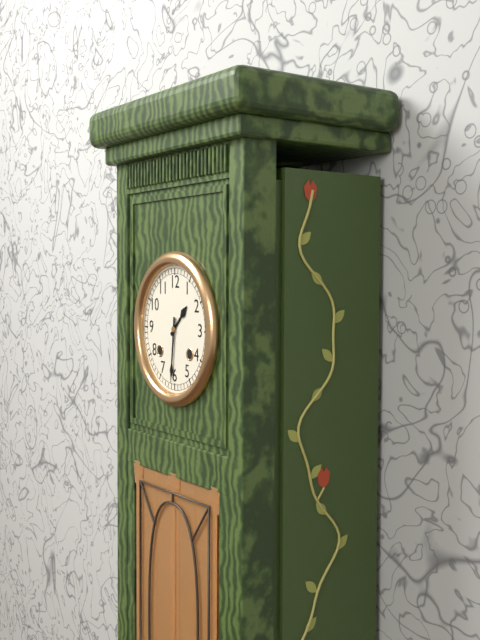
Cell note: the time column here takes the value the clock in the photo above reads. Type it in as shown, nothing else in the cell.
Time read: 1:31
